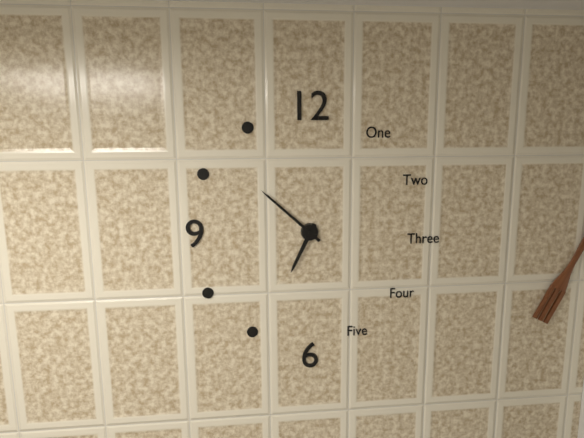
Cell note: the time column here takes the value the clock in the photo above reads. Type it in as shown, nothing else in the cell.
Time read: 6:52
